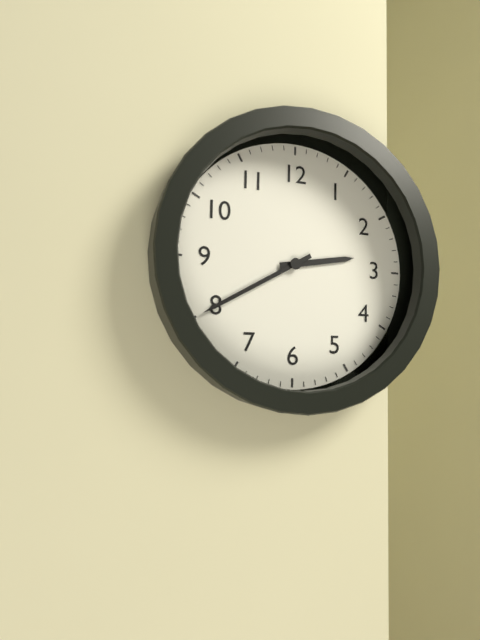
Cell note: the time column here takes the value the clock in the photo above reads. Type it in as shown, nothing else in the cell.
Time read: 2:40
